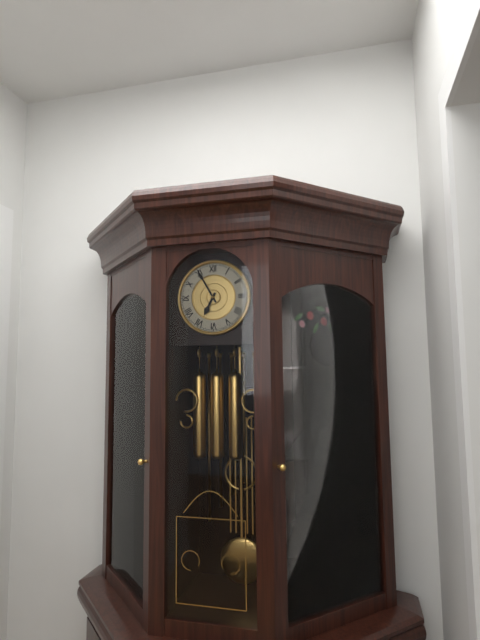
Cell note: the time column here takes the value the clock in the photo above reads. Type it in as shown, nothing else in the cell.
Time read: 6:55
